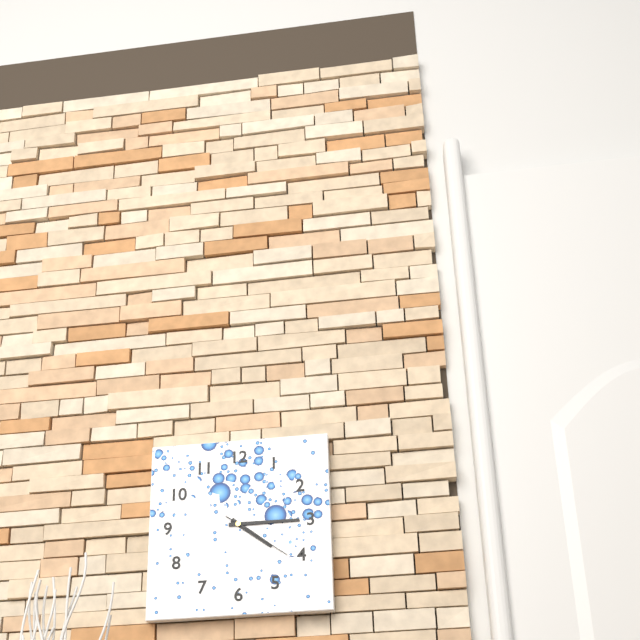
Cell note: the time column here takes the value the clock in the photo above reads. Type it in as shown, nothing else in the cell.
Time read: 4:15:21
